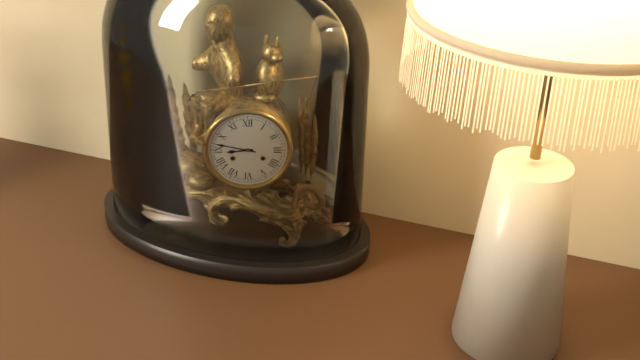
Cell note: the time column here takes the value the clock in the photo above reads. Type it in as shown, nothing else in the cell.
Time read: 8:47
